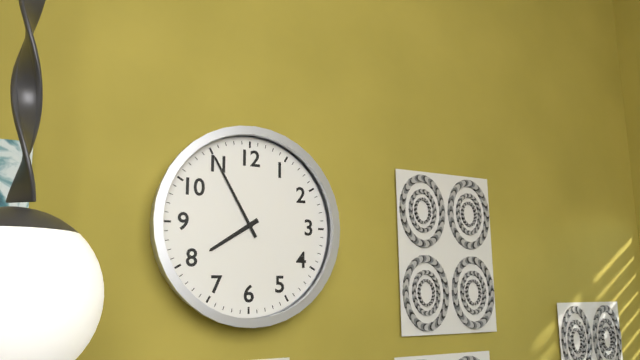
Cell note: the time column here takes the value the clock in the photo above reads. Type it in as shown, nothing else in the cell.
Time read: 7:55
